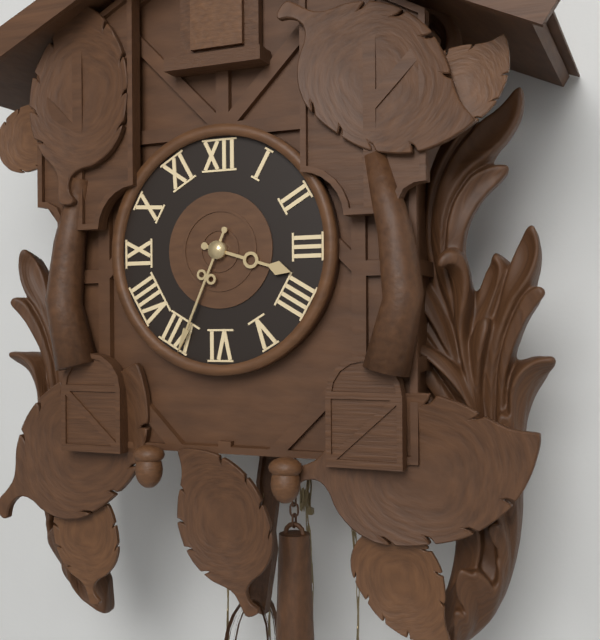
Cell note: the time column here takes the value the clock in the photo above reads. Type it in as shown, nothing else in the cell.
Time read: 3:34
